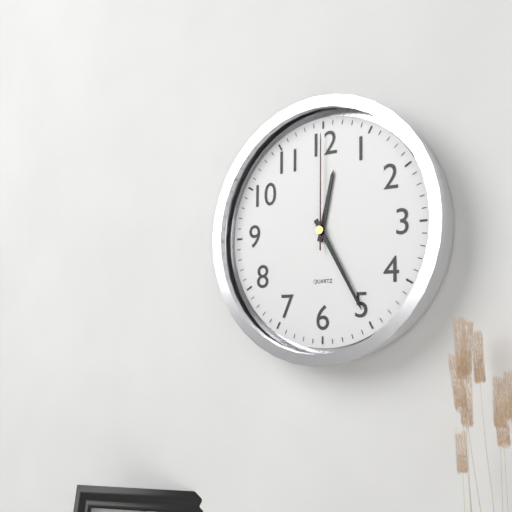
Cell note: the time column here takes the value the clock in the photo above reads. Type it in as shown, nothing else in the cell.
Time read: 12:25:00
